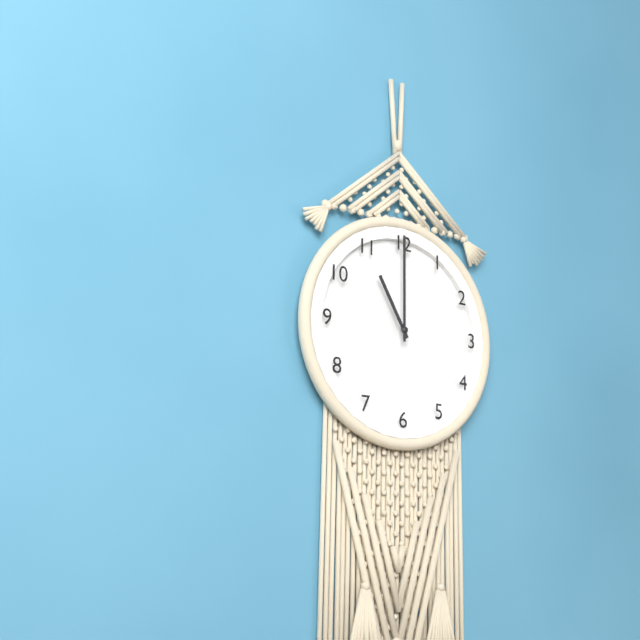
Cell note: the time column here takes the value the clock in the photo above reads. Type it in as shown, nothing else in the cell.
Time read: 11:00
